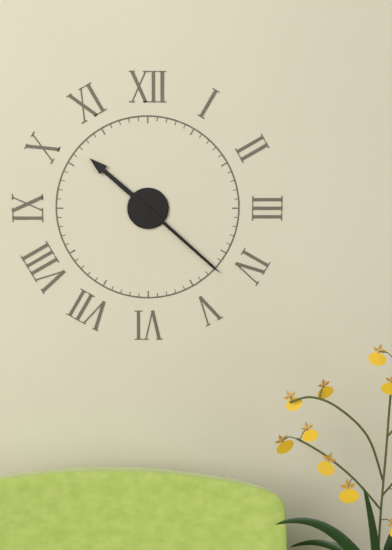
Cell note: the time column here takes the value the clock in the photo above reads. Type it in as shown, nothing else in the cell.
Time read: 10:22
